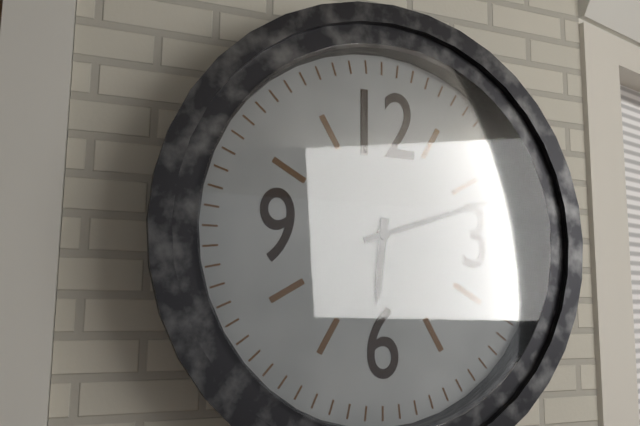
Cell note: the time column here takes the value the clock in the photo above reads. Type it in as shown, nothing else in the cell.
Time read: 6:12
